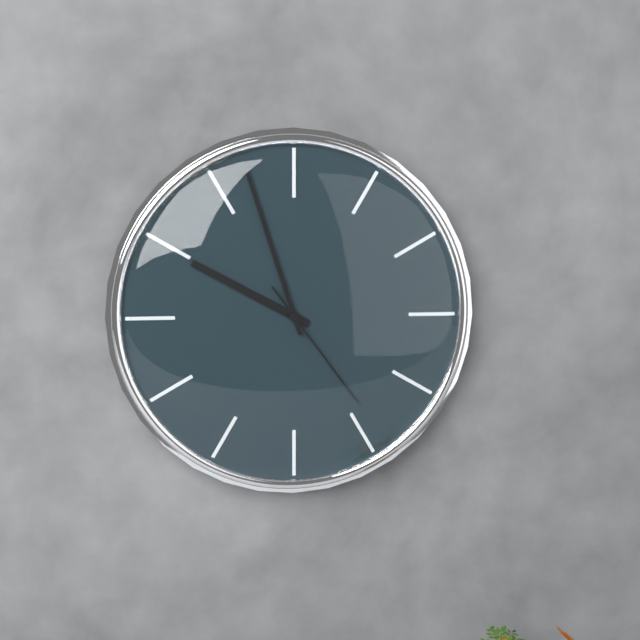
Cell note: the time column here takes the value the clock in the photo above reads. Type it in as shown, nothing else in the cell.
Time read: 9:57:24
